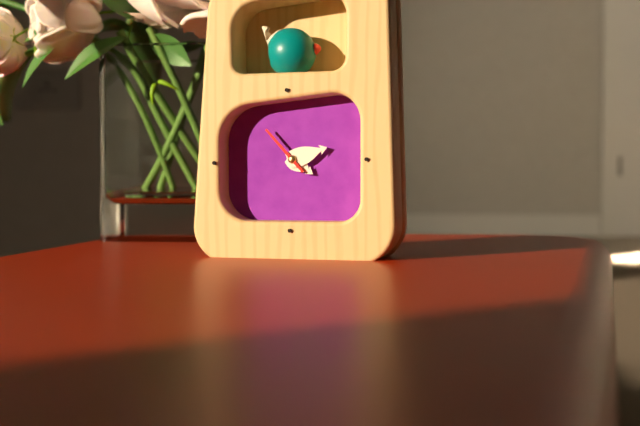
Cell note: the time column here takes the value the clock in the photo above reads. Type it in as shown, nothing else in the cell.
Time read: 4:12
